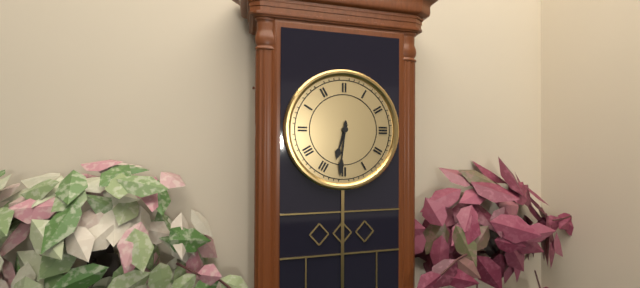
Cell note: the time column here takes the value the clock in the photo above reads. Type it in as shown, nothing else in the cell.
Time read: 6:31
